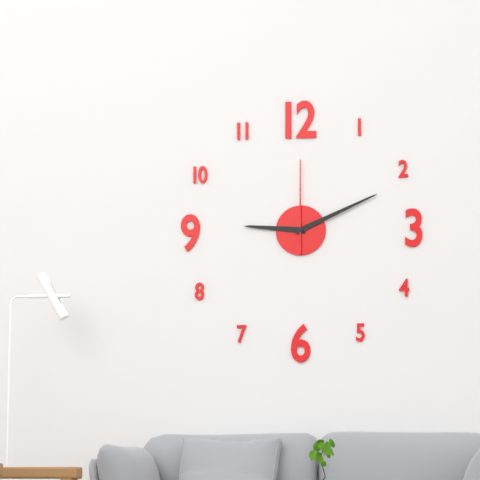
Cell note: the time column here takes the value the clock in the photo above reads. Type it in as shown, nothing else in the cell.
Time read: 9:11:00
